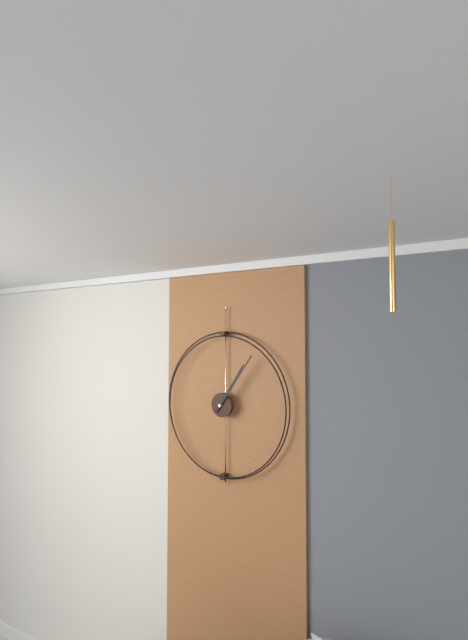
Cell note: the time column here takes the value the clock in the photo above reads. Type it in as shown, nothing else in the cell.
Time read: 1:06
